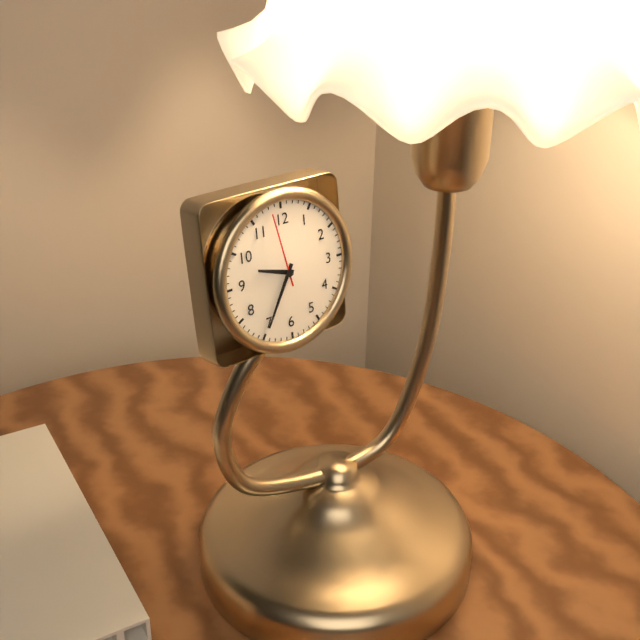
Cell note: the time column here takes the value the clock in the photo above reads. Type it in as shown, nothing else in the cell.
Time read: 9:35:58
